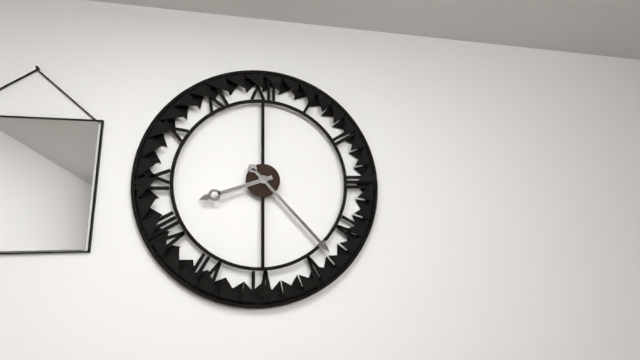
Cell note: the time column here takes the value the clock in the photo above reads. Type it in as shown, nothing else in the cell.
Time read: 8:23
